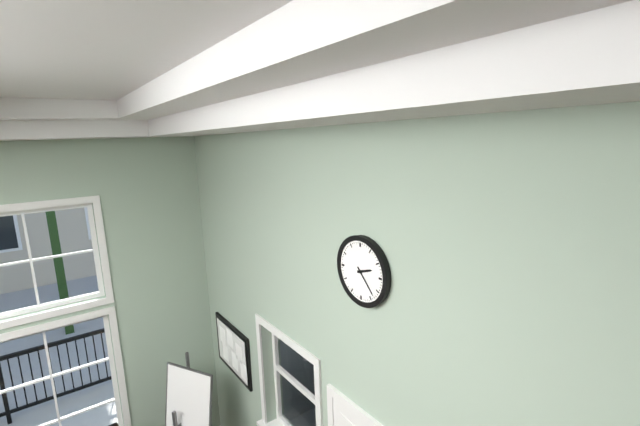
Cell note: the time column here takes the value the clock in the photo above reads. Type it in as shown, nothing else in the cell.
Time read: 2:23
